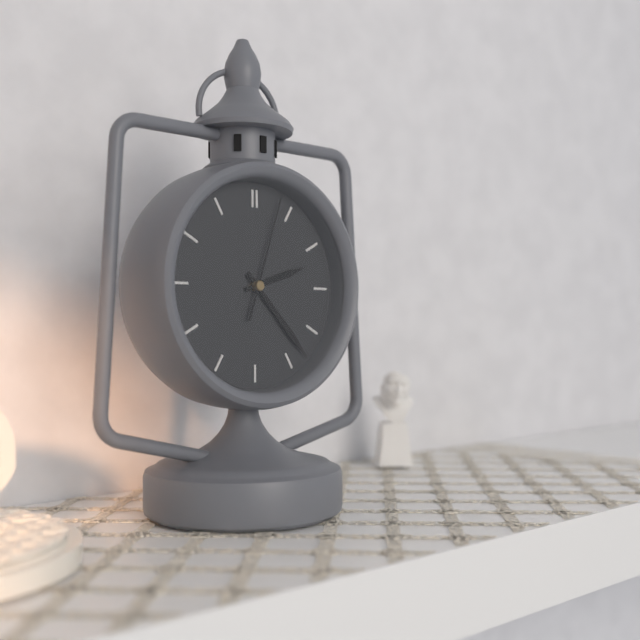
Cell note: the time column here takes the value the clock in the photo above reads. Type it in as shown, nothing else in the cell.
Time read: 2:23:03
